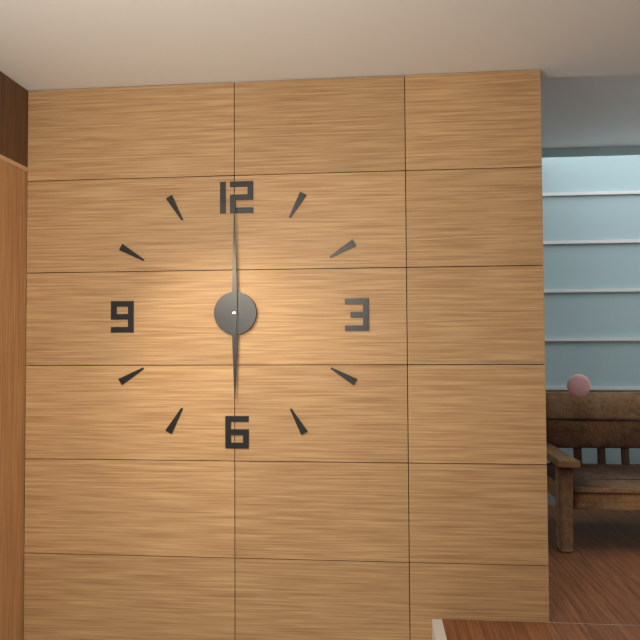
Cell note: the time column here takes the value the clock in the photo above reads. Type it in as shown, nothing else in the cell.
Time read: 6:00
